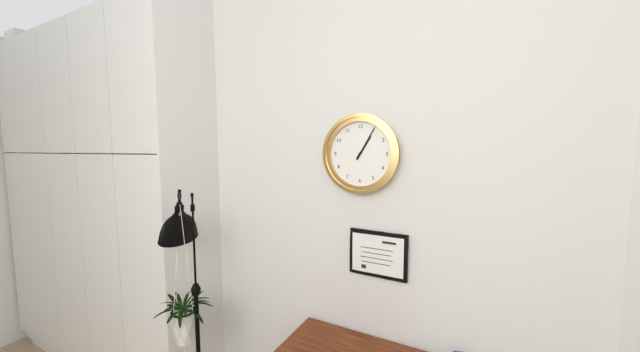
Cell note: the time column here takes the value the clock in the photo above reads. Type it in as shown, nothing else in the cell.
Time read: 1:05
